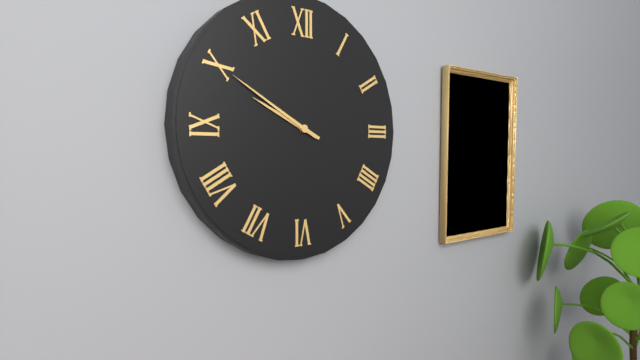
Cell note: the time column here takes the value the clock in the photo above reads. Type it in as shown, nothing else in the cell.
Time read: 9:50
